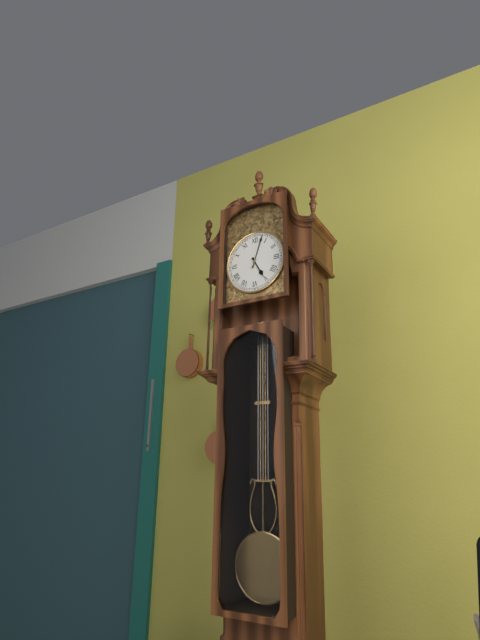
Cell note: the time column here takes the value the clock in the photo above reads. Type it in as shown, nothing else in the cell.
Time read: 5:03
